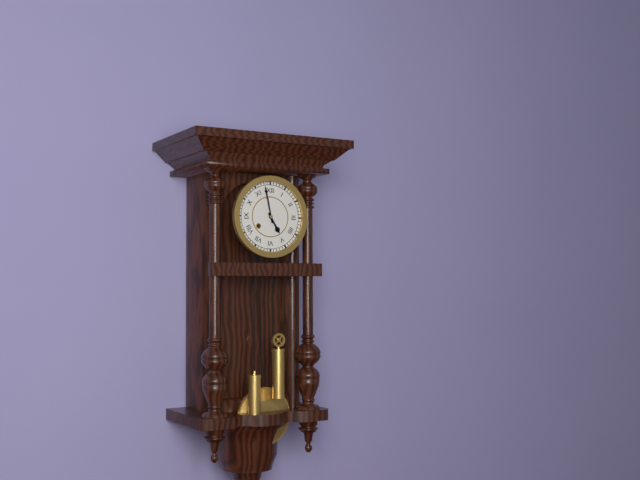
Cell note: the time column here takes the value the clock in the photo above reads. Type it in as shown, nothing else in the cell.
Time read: 4:58
